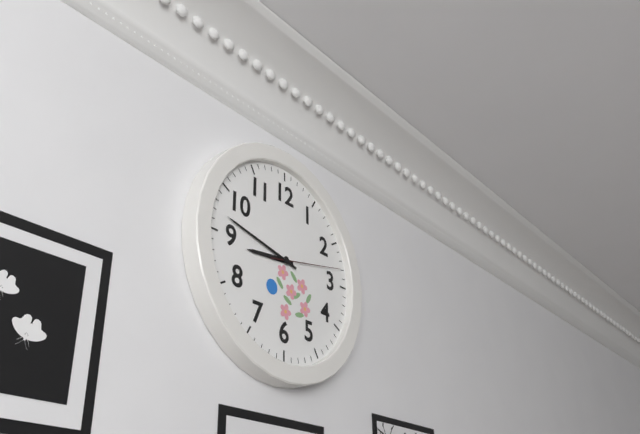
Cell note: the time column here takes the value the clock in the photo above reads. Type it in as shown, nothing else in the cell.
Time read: 8:47:13
